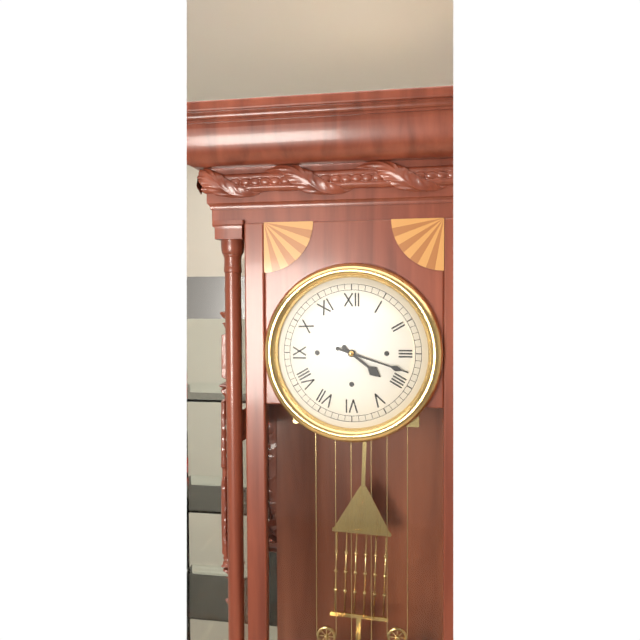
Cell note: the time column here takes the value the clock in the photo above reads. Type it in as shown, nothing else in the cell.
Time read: 4:18
